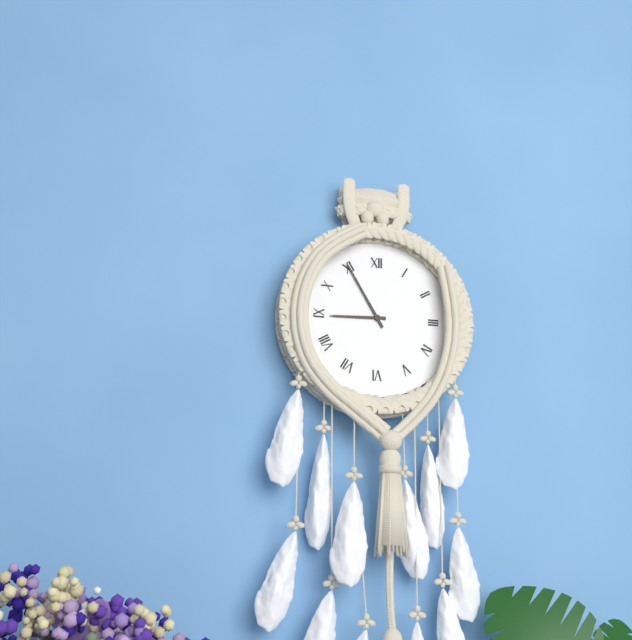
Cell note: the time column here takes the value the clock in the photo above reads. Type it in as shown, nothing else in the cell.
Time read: 8:55
